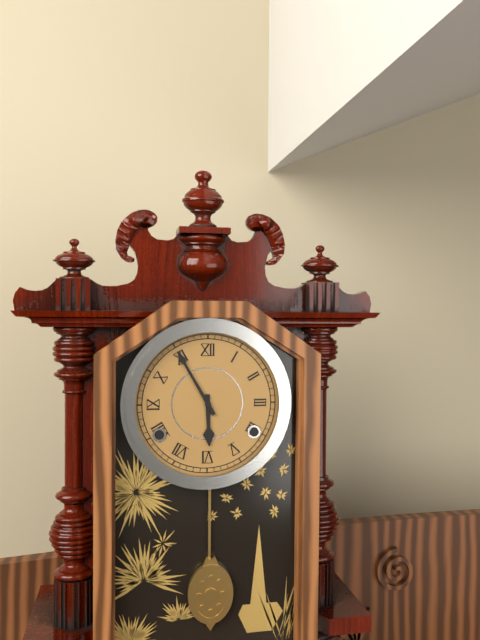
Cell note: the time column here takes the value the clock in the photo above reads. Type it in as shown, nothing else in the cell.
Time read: 5:55
